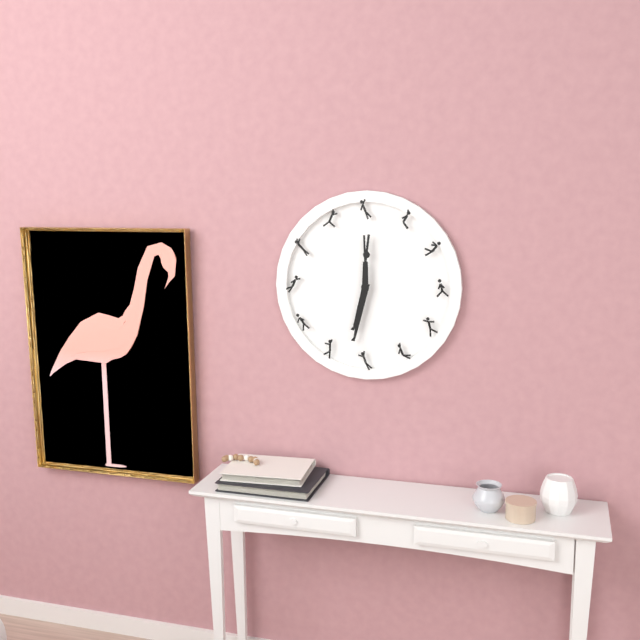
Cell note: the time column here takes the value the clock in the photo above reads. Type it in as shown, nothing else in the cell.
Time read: 6:32
